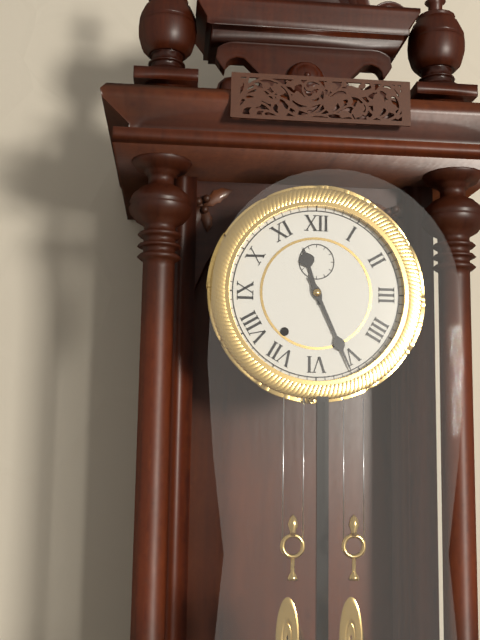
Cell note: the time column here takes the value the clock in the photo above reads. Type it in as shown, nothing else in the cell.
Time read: 11:26
